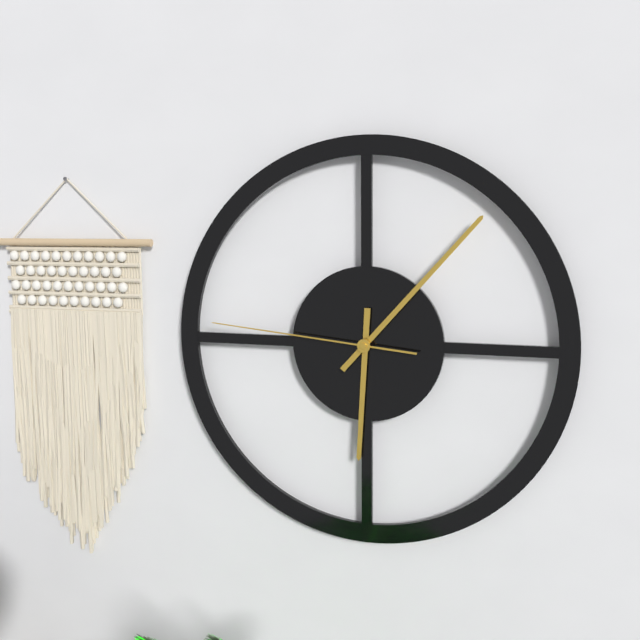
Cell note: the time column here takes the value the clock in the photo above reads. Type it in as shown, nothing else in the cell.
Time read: 6:07:46
